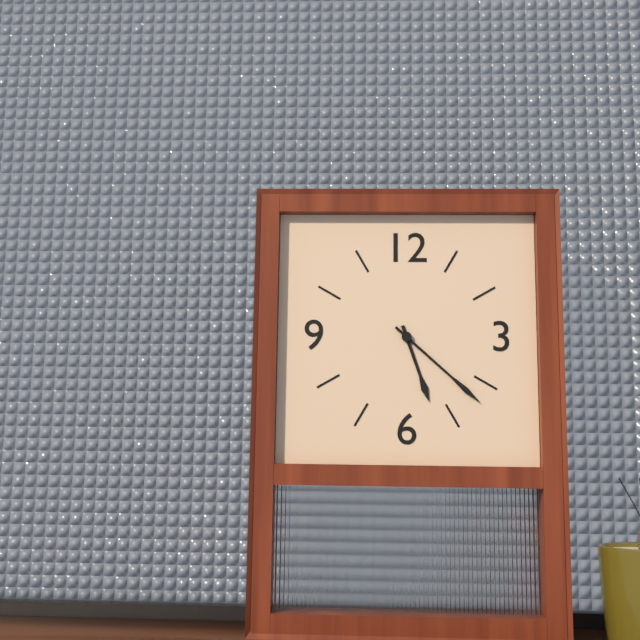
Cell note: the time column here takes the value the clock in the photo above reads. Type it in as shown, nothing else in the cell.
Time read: 5:22
